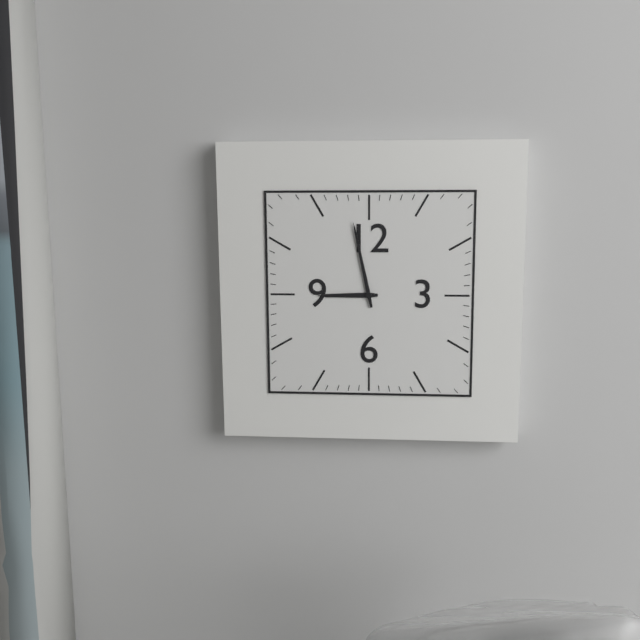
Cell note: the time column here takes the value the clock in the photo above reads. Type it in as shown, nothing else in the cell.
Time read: 8:58
